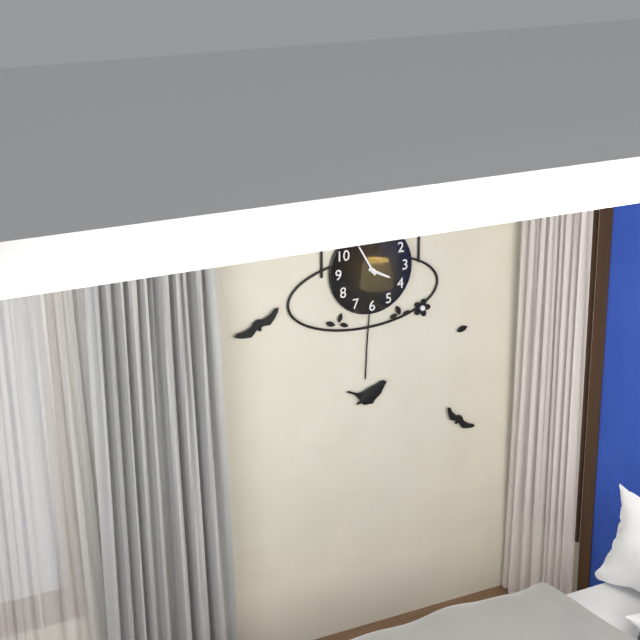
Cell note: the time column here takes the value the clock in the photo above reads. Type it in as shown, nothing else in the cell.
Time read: 3:55
